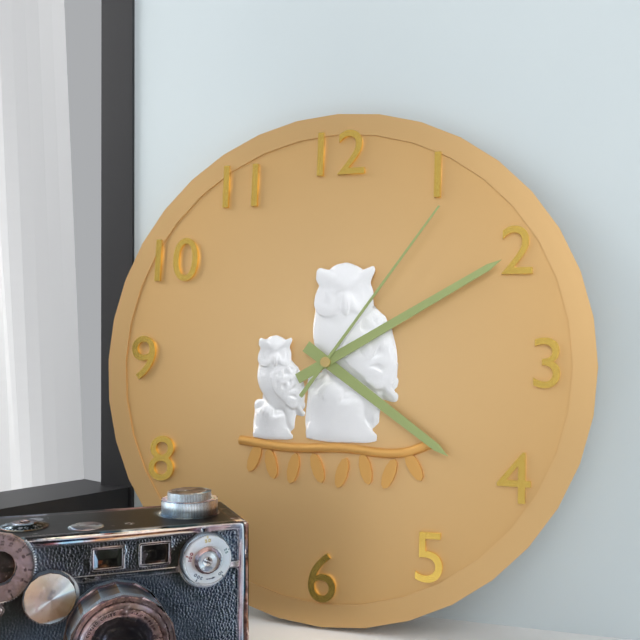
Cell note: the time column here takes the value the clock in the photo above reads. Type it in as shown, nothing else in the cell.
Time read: 4:10:06
